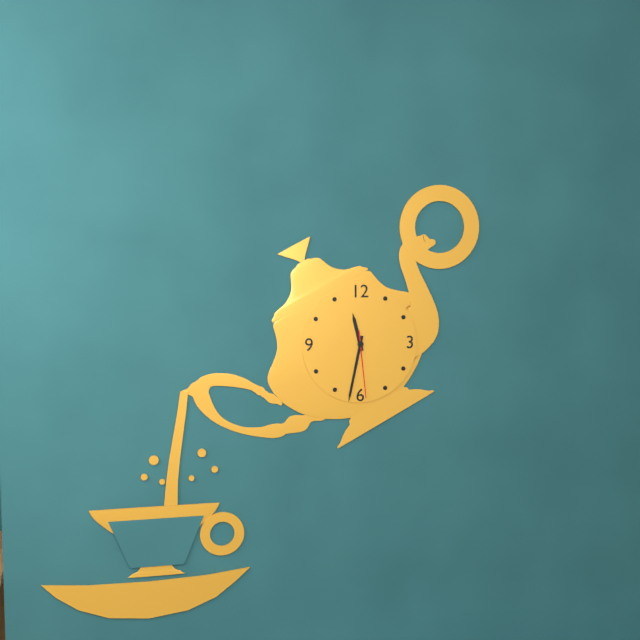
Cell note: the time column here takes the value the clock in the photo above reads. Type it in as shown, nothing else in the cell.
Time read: 11:32:29
